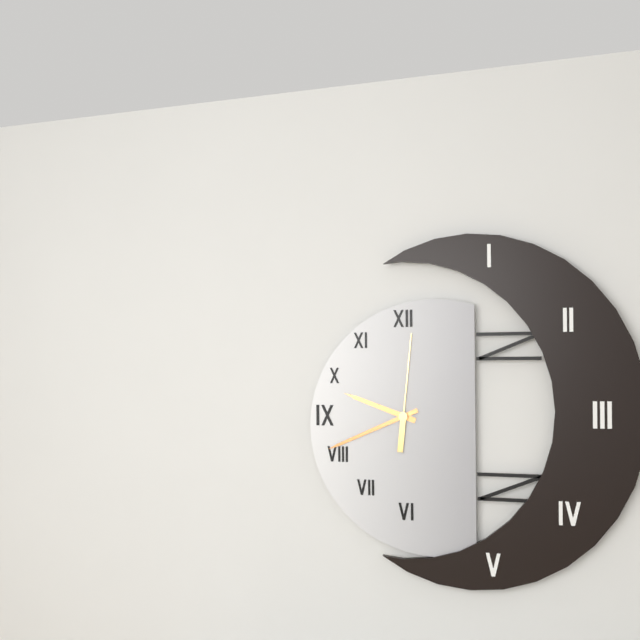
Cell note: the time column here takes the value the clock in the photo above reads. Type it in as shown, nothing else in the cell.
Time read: 9:41:01
